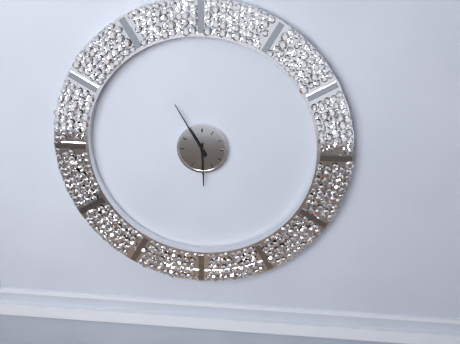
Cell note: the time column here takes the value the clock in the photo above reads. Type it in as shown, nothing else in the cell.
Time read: 5:55
